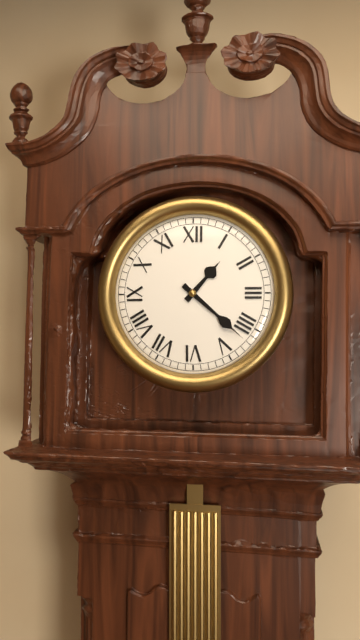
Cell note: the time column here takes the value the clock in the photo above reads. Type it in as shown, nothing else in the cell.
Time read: 1:22
